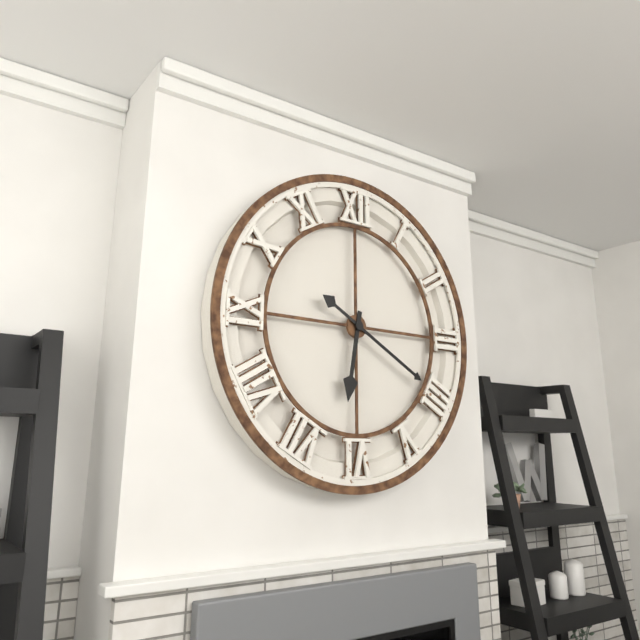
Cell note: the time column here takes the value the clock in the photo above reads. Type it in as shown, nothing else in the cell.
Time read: 6:20
